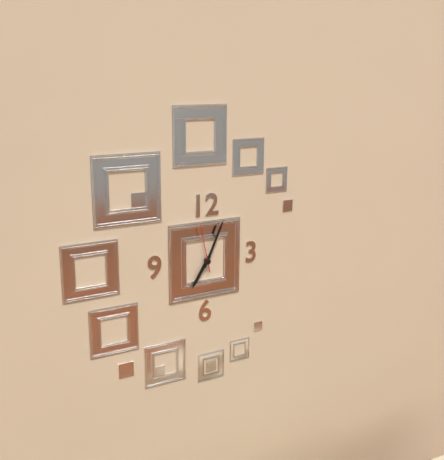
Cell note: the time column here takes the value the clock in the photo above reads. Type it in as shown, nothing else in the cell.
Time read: 7:04
